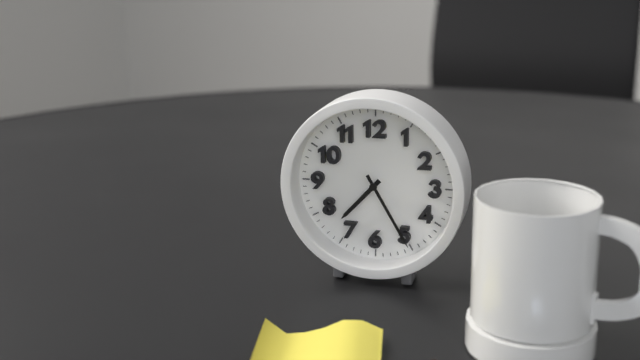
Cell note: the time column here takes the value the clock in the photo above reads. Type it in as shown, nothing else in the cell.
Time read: 7:25
